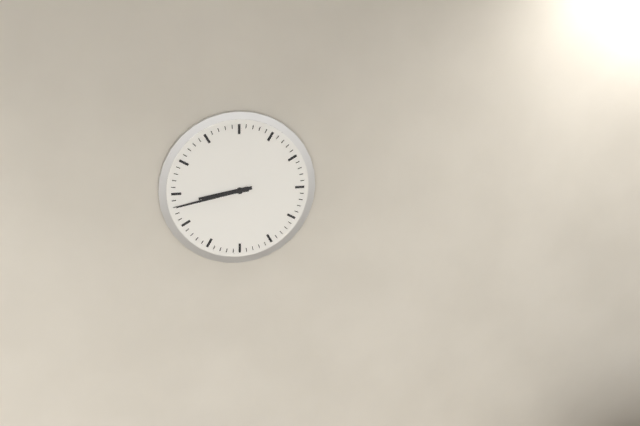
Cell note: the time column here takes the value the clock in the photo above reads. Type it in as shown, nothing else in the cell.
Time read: 8:43
